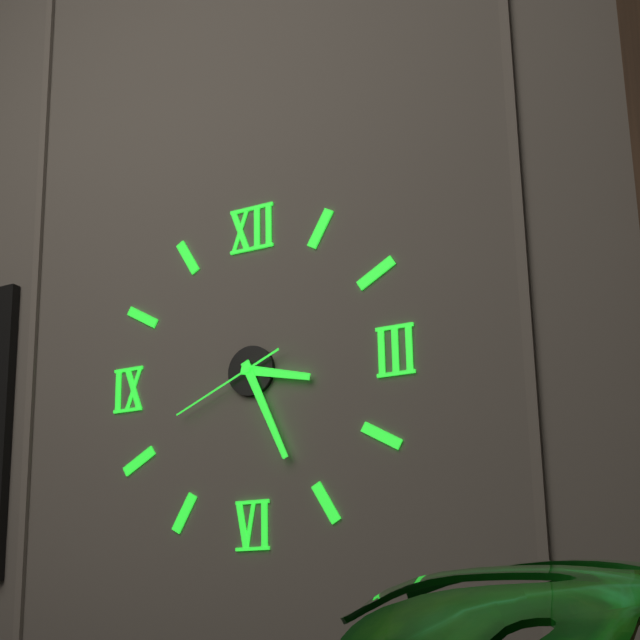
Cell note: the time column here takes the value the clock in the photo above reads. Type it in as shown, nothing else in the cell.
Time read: 3:26:41
